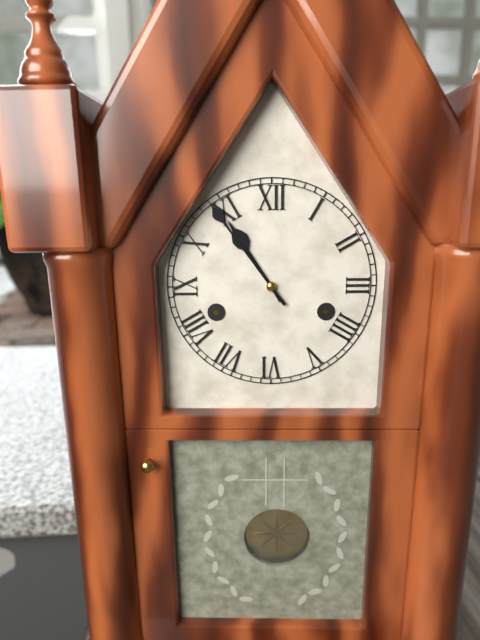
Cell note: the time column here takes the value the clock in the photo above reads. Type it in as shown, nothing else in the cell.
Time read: 10:54
